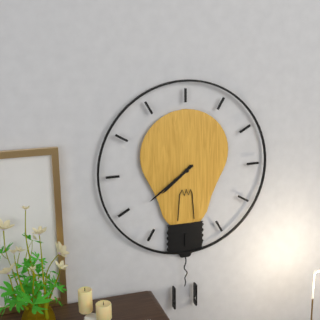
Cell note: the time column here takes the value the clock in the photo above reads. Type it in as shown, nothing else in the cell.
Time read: 7:39
